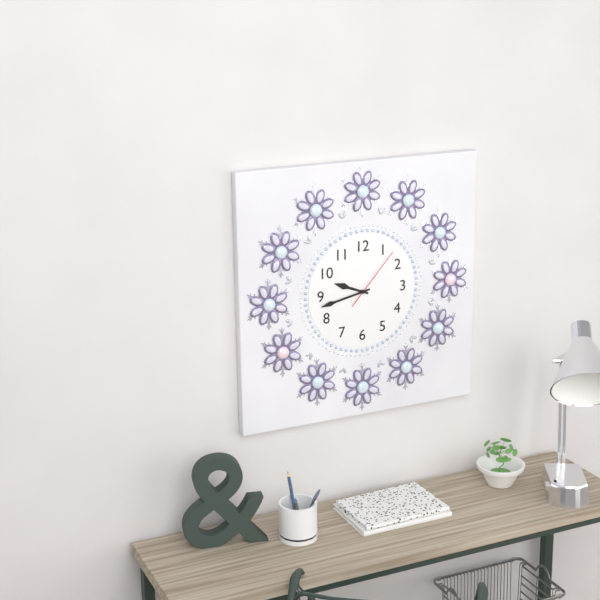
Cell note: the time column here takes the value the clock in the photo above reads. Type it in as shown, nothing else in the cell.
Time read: 9:43:07
